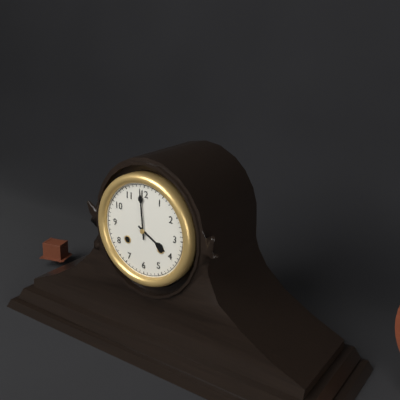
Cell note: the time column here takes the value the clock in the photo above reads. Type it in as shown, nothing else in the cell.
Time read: 3:59
